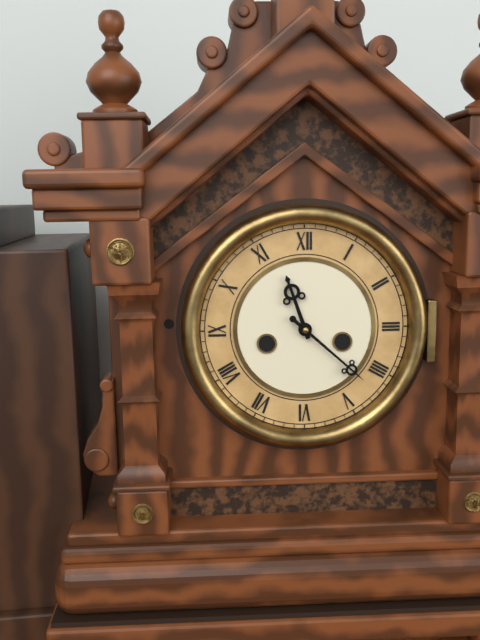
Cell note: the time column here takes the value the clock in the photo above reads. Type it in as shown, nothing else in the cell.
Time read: 11:22
